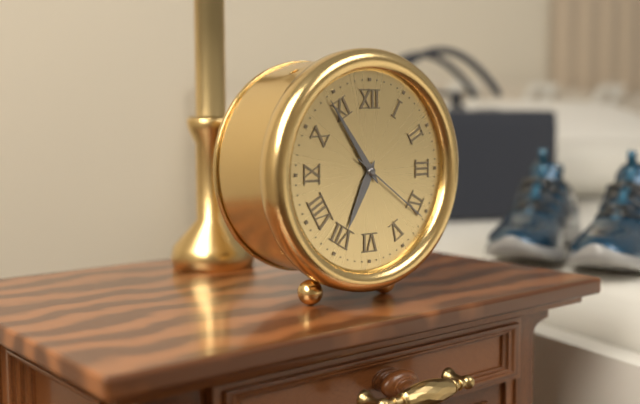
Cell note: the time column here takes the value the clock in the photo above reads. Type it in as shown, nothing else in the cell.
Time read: 6:54:21
